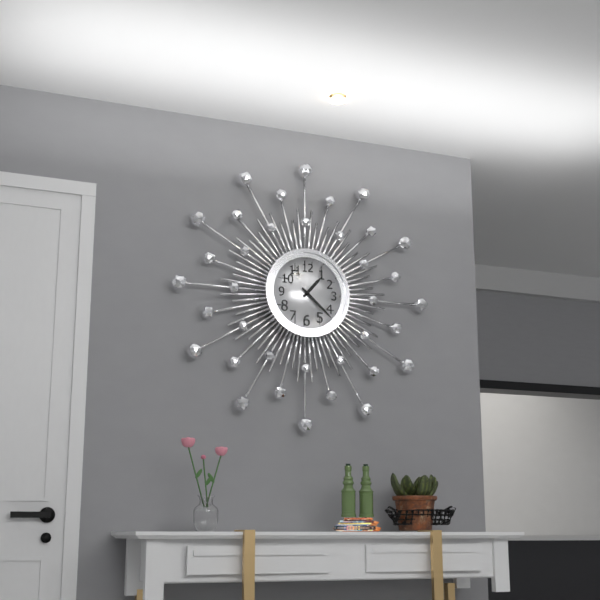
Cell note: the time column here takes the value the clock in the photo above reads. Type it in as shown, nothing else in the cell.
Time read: 1:22
